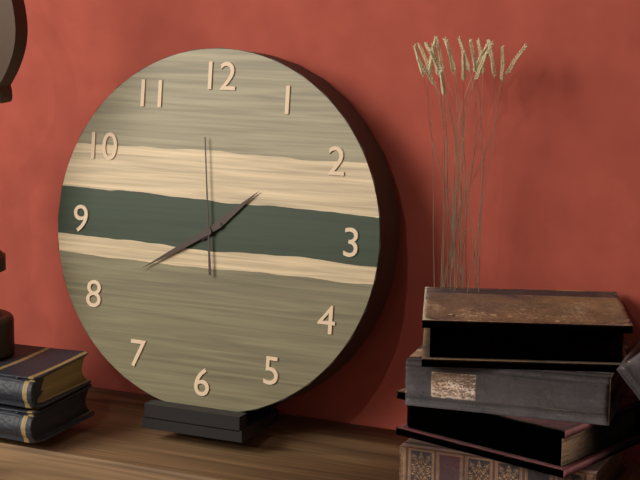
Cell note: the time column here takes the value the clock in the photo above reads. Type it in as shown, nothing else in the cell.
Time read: 1:40:59
